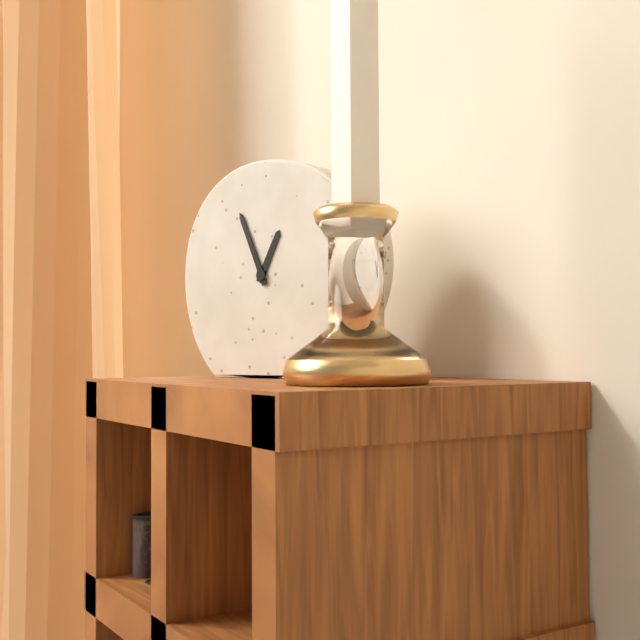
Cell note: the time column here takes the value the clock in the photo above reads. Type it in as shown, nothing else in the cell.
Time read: 12:56
